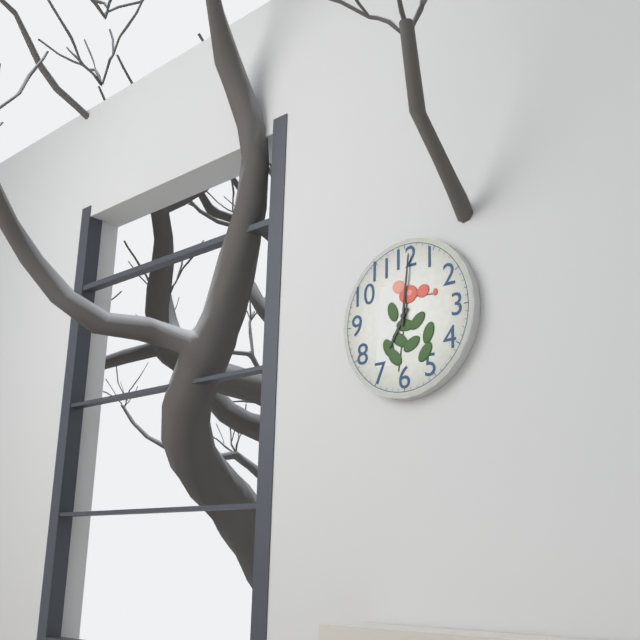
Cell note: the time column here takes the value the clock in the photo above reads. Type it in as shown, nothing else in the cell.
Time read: 7:01
